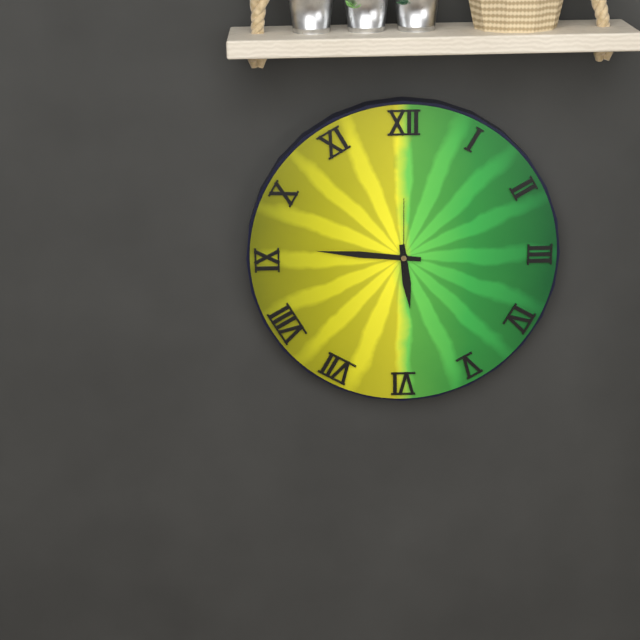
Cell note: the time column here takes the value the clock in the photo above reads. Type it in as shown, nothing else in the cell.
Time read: 5:46:00
